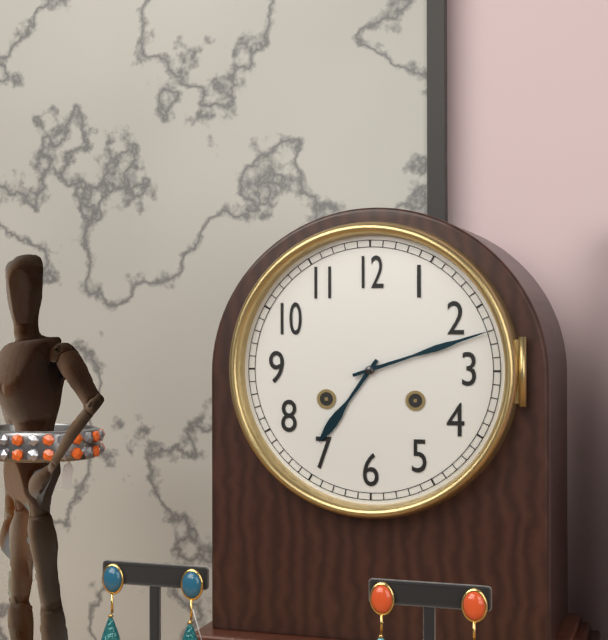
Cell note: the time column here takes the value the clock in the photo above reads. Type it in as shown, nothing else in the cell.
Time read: 7:12
